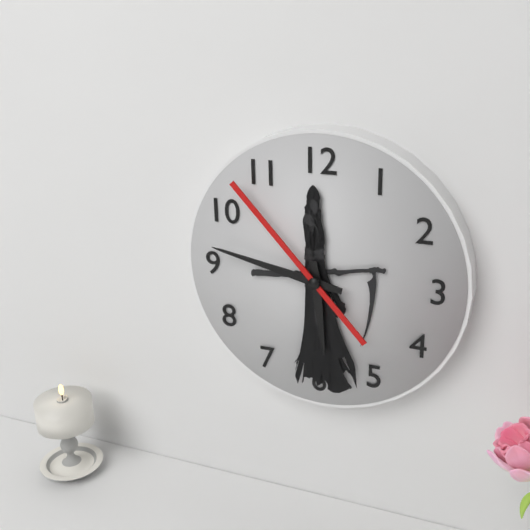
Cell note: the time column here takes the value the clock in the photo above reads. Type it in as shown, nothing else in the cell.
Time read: 5:47:53
